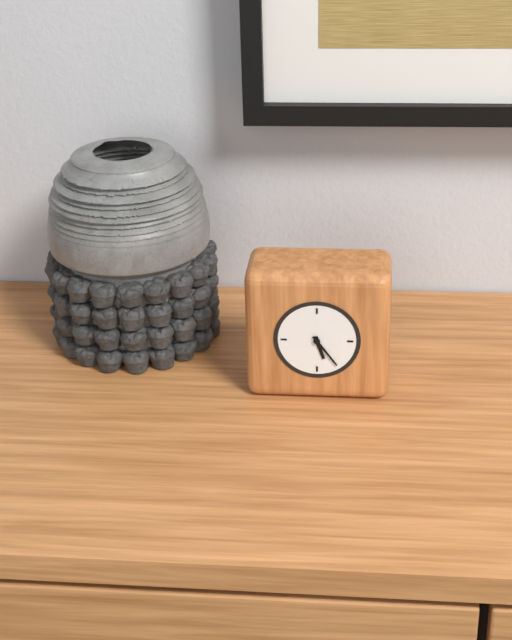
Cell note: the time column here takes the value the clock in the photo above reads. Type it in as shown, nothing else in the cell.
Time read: 5:24
